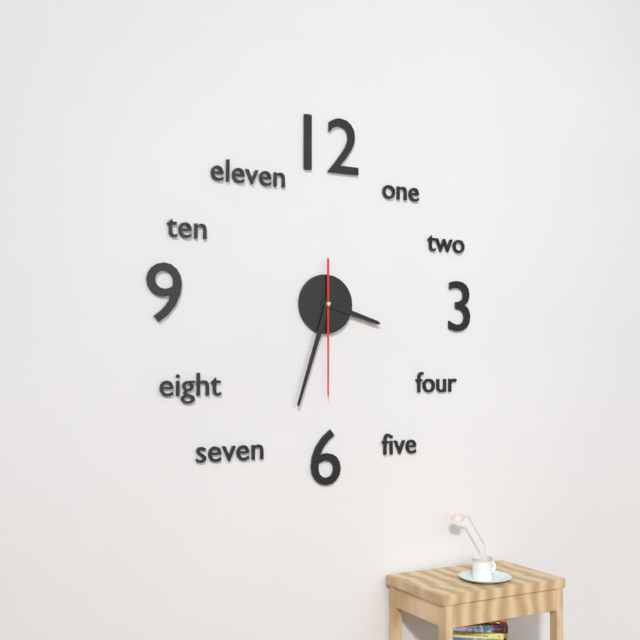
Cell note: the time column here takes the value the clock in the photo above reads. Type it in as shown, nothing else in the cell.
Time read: 3:33:30
